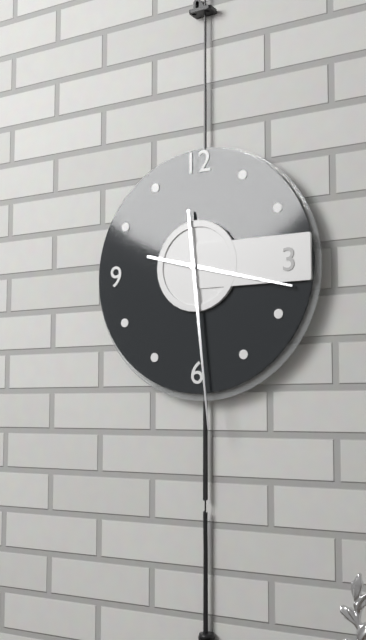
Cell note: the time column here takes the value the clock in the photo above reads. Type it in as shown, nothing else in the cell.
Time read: 3:29
